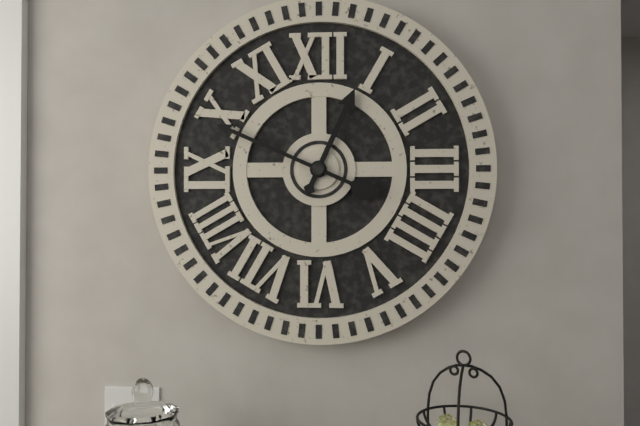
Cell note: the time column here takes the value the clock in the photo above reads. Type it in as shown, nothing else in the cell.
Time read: 12:49
